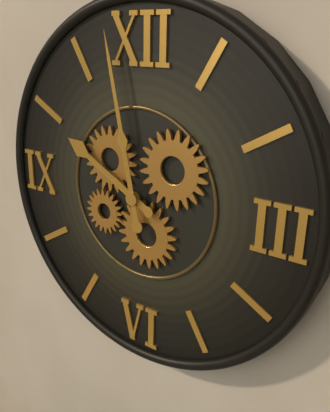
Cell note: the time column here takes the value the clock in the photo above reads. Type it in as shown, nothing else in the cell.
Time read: 9:58
